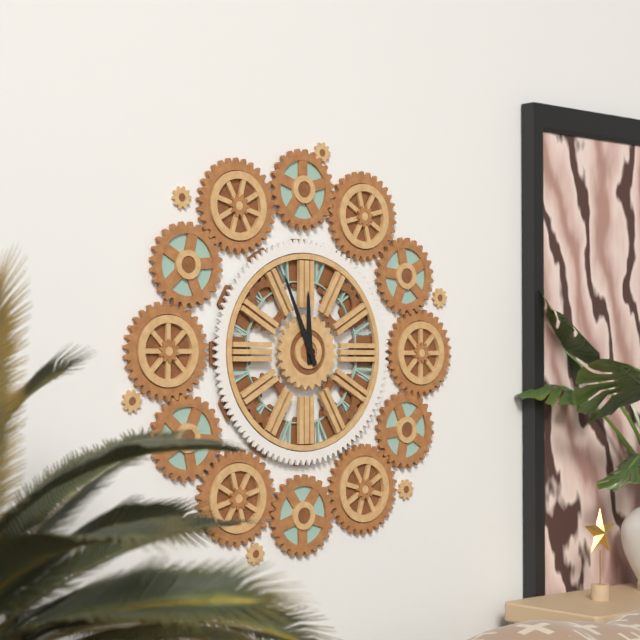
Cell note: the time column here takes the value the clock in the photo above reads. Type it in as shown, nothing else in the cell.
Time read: 11:56
